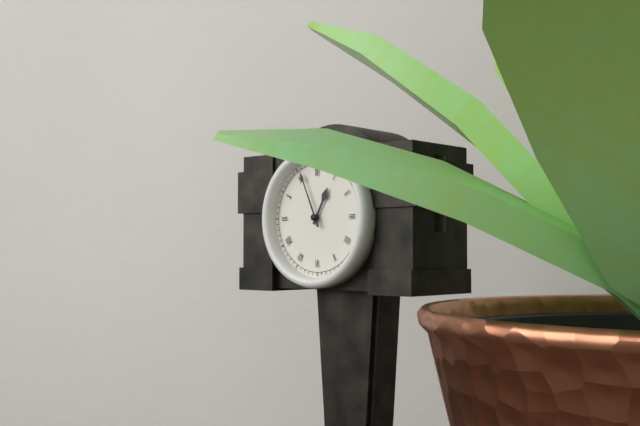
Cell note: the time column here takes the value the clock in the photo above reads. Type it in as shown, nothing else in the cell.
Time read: 12:56
